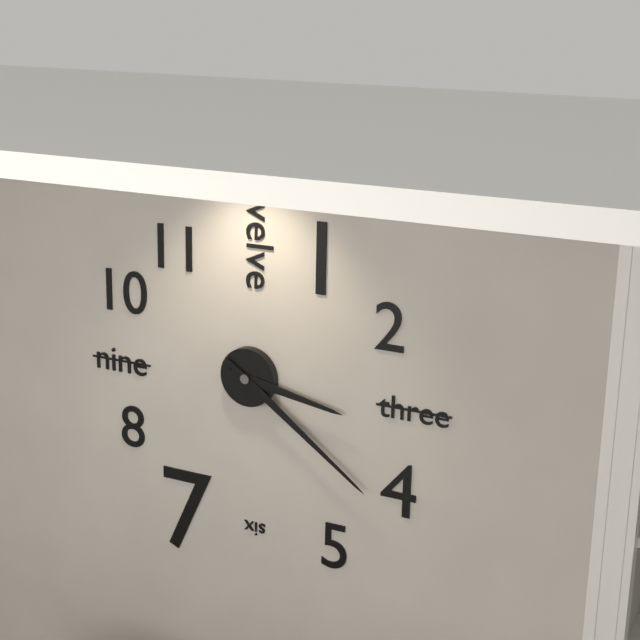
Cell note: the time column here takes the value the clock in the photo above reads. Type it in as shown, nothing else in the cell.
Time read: 3:21
